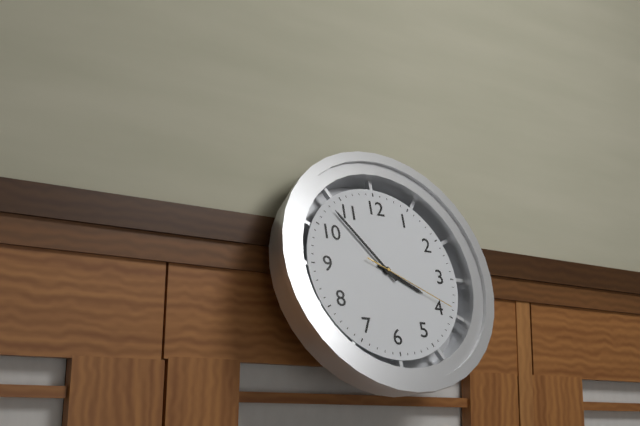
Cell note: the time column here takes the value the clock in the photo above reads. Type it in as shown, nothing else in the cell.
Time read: 3:53:19
